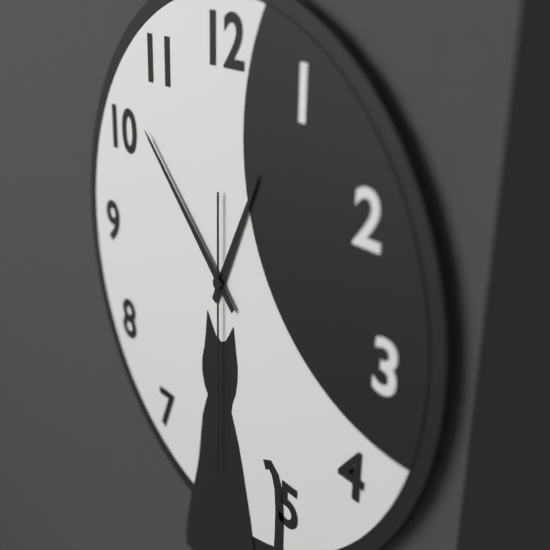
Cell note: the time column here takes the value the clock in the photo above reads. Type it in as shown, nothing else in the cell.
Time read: 12:52:30
